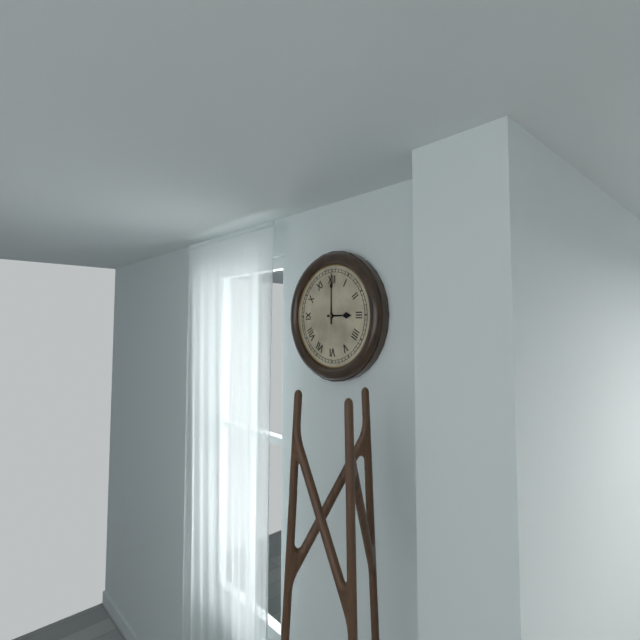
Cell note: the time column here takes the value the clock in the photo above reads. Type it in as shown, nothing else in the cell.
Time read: 3:00
